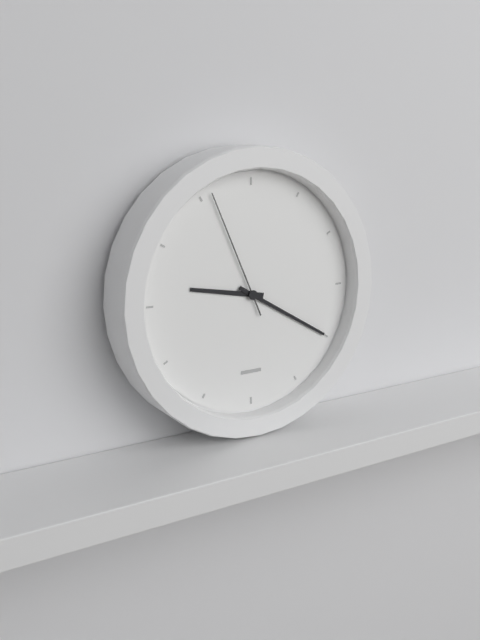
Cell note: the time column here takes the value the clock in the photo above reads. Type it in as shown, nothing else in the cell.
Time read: 9:20:56
